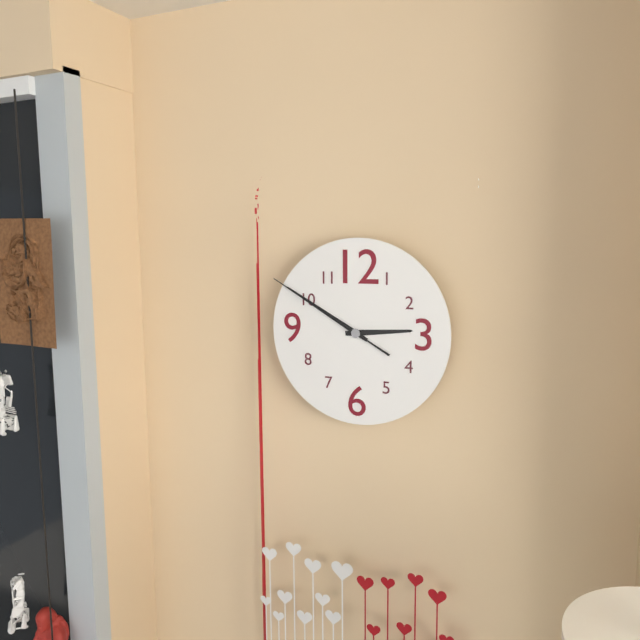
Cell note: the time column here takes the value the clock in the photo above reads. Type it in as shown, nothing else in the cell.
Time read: 2:50:50
